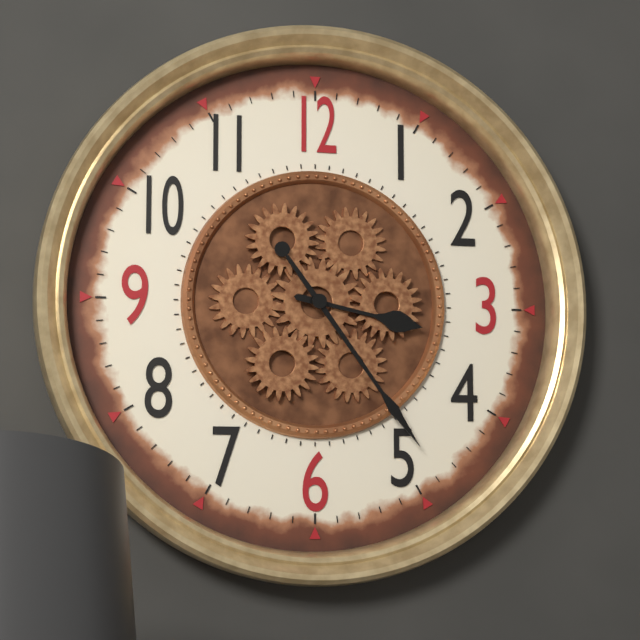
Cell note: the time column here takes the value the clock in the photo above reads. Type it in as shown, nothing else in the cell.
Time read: 3:24
